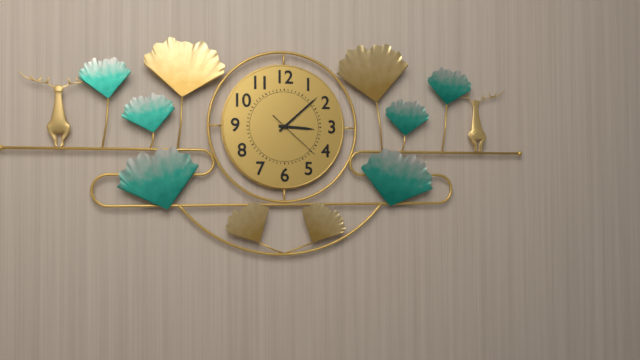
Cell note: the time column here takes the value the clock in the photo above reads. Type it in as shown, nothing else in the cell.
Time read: 3:08:22
